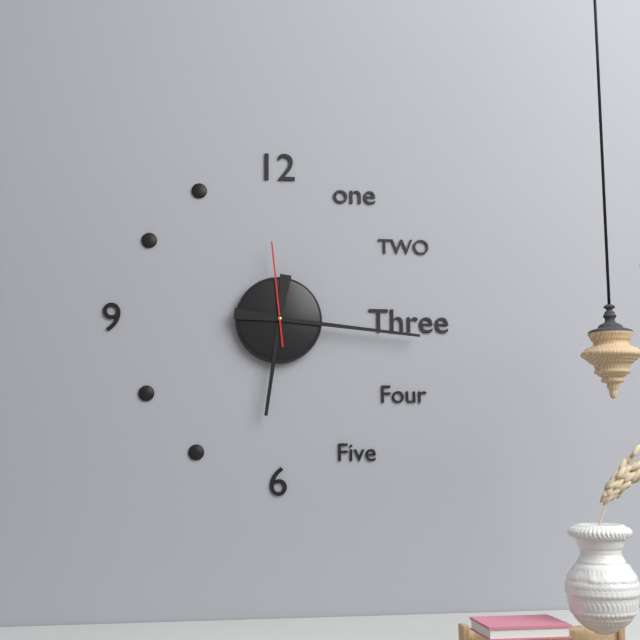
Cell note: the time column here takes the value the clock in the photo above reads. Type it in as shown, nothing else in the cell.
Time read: 6:16:59
